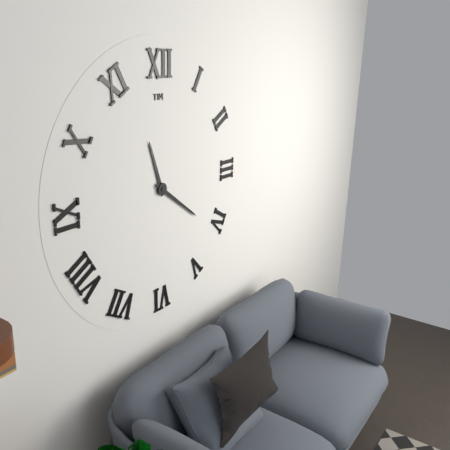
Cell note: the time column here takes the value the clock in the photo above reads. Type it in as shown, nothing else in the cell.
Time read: 11:21
